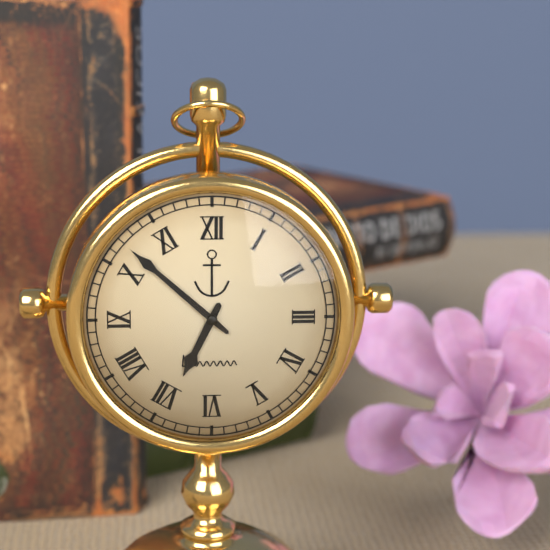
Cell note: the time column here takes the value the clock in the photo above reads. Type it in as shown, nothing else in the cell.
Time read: 6:52
